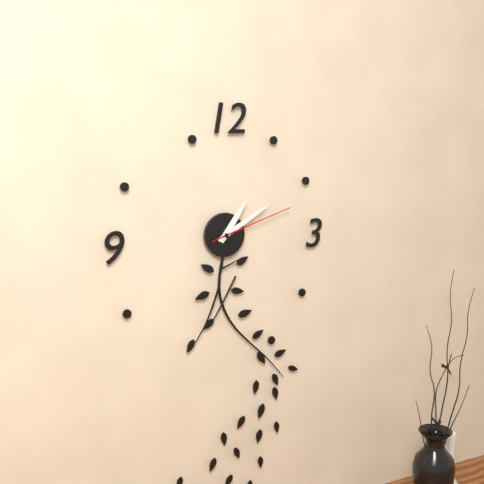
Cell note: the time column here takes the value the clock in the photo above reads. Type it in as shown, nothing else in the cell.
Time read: 1:10:12
